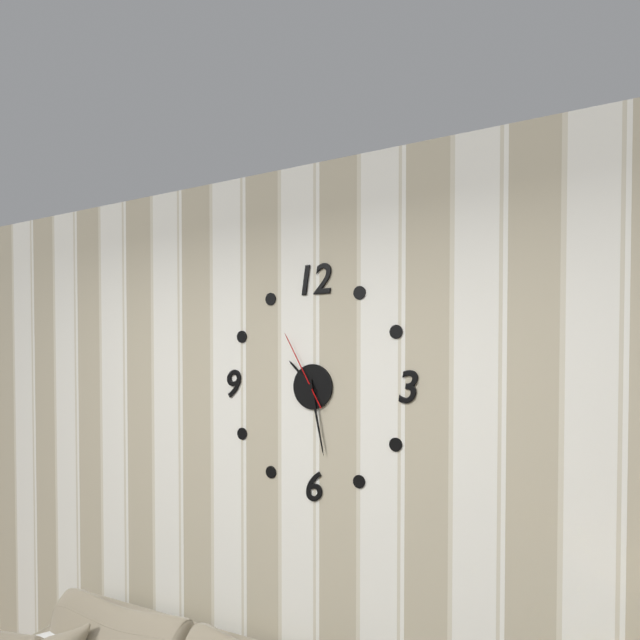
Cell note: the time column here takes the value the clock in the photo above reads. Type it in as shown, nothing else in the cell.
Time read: 10:28:55
